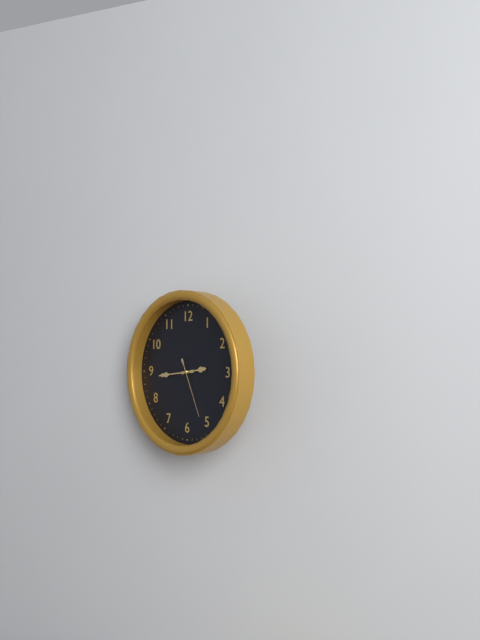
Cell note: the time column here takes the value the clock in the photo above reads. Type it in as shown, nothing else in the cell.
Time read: 2:44:26
